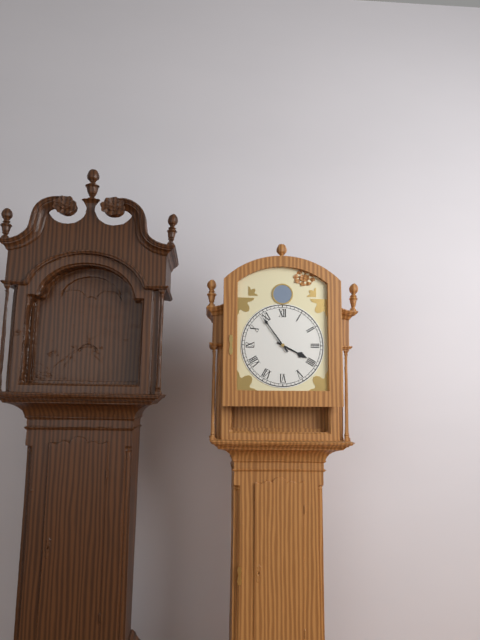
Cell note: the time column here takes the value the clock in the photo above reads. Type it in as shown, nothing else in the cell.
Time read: 3:54
